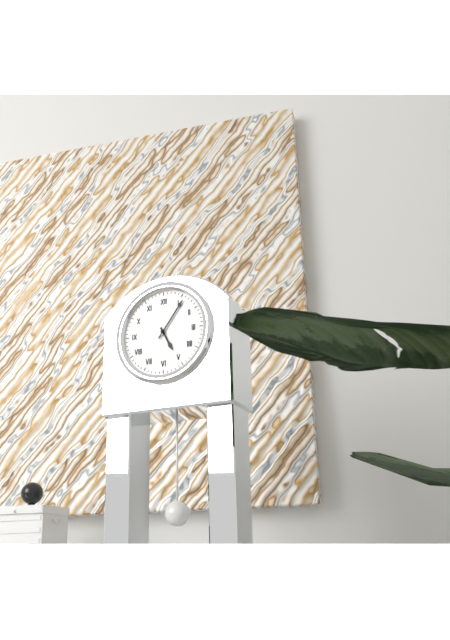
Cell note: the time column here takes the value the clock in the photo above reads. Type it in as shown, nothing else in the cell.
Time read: 5:06
